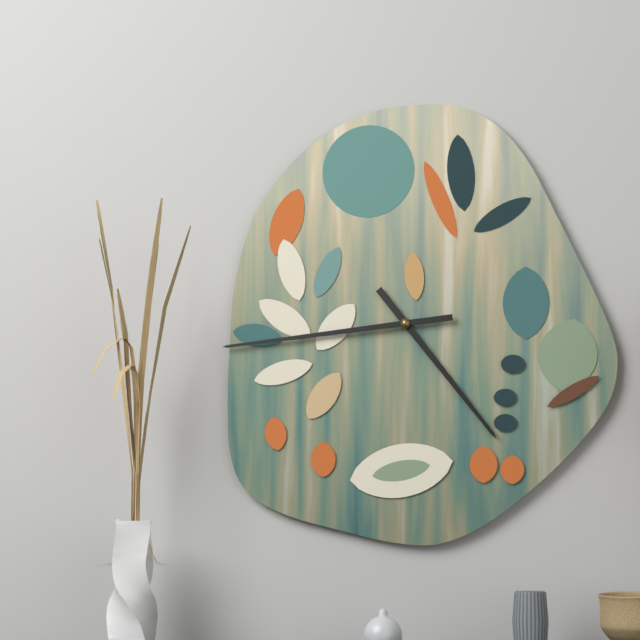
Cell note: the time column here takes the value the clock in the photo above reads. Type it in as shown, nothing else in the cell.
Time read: 4:44
